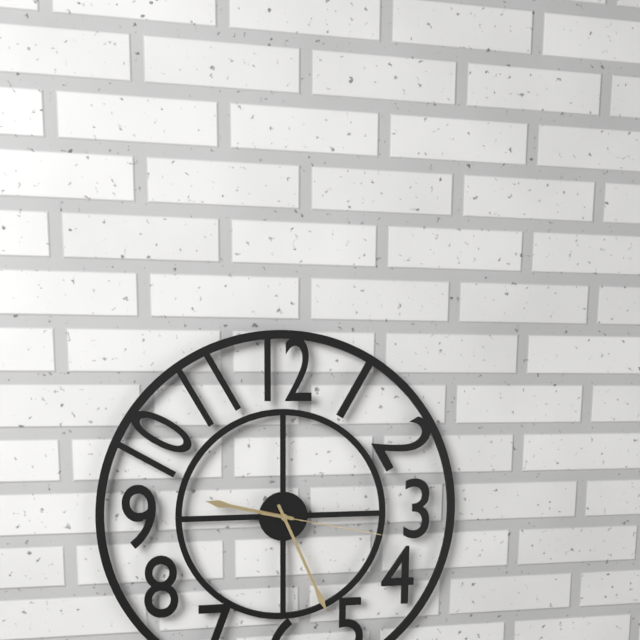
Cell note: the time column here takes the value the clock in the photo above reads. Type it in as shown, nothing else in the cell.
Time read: 9:26:17
